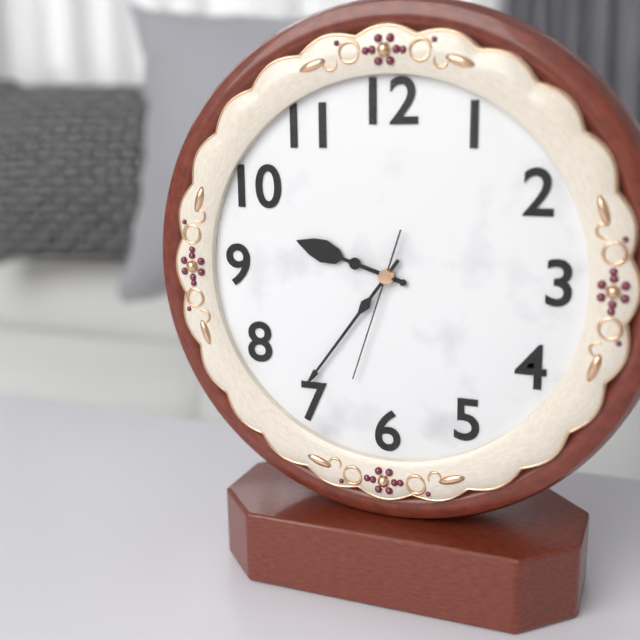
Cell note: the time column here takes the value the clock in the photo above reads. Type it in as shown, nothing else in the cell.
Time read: 9:36:33
